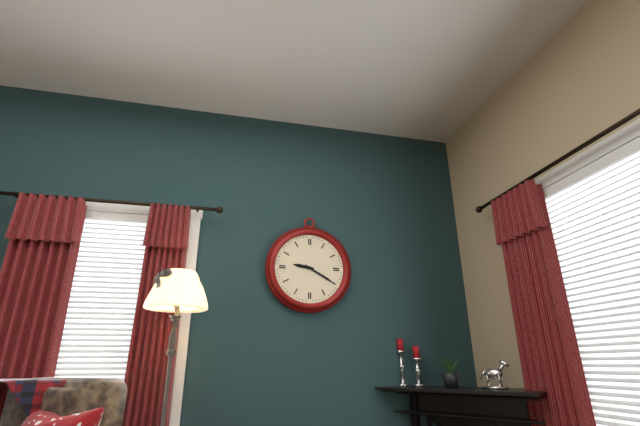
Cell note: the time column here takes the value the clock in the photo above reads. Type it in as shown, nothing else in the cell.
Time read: 9:20
